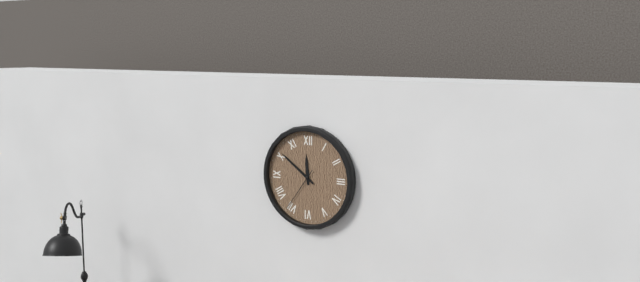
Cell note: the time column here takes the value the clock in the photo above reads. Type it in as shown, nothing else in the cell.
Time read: 11:51
